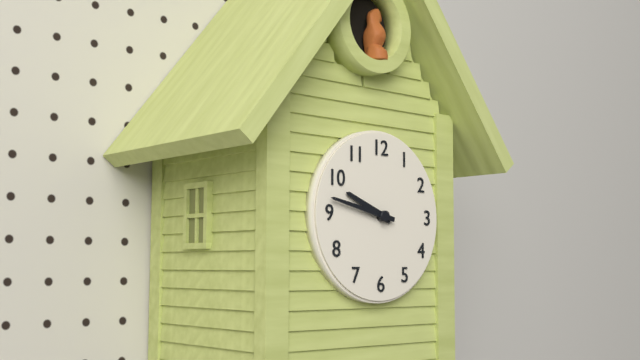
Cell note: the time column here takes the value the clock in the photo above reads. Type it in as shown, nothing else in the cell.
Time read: 9:47
